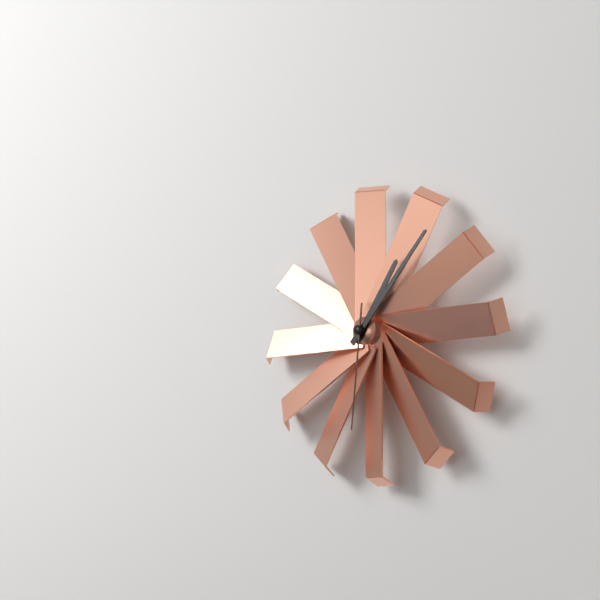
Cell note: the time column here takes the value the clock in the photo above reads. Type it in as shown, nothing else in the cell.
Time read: 1:07:31
